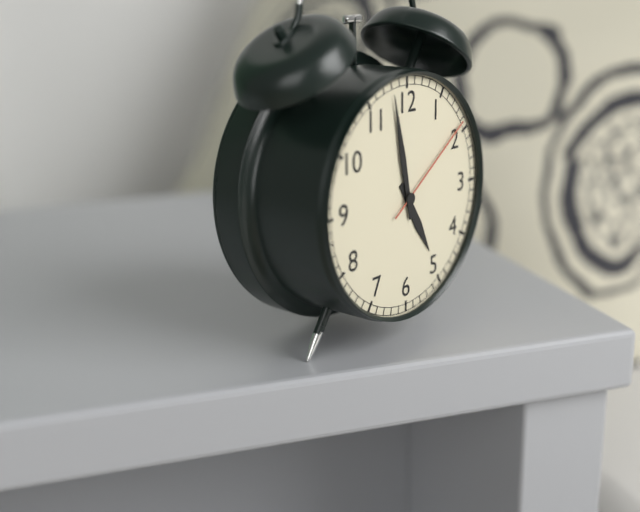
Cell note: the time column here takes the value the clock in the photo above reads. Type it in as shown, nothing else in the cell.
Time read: 4:58:09
